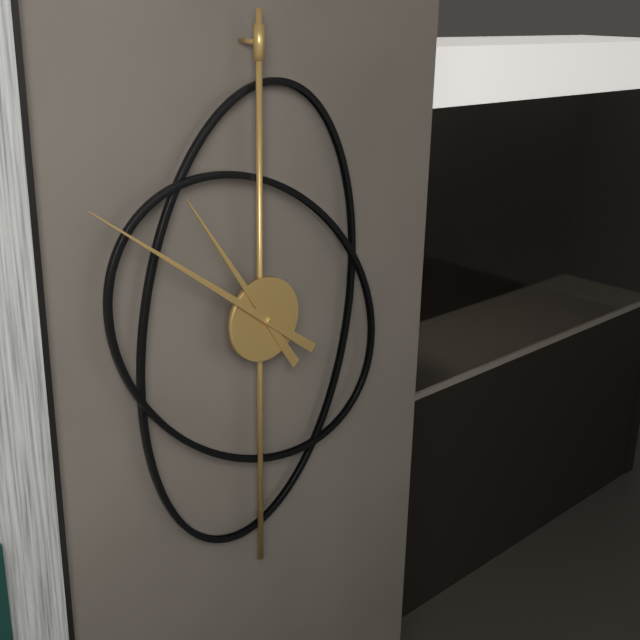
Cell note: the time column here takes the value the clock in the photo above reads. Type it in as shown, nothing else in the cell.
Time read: 10:51
